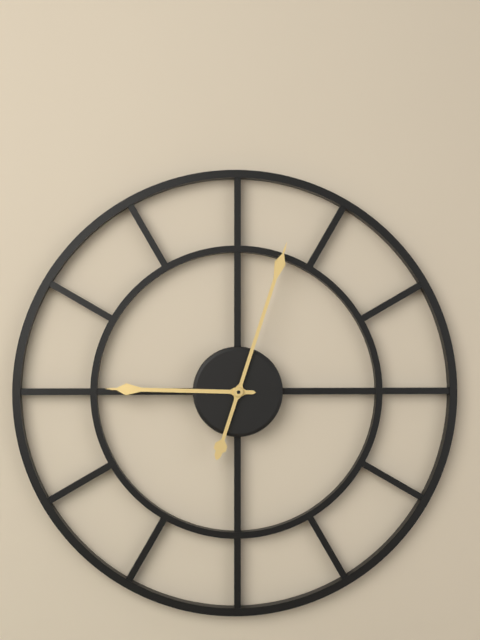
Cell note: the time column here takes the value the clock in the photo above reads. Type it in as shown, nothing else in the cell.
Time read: 9:03
